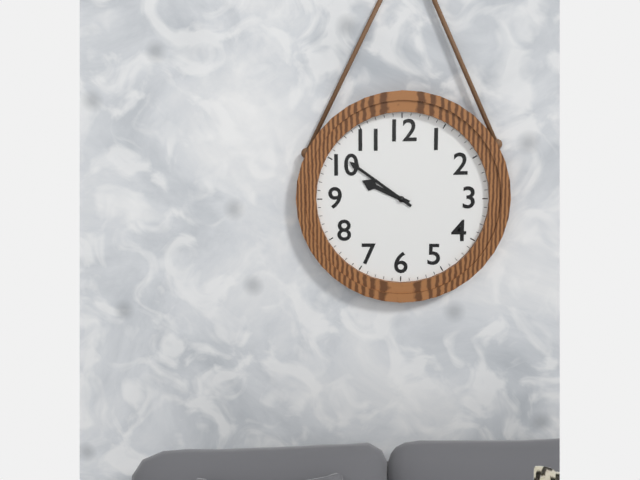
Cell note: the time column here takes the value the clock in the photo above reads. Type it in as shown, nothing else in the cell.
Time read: 9:51
